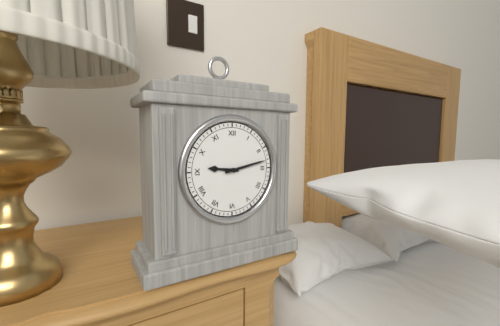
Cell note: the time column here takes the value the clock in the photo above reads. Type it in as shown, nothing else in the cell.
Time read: 9:13
